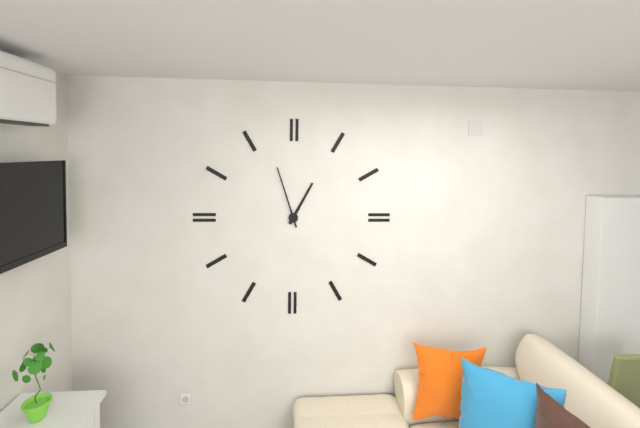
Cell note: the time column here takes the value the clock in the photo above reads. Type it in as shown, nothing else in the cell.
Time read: 12:57
